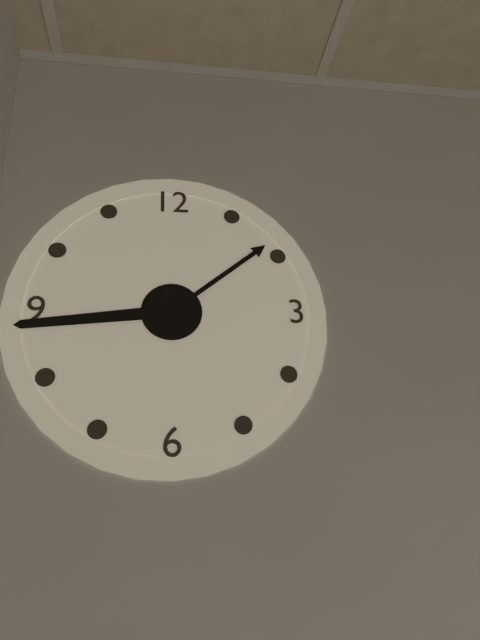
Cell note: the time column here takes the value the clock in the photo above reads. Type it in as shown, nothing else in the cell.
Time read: 1:44
